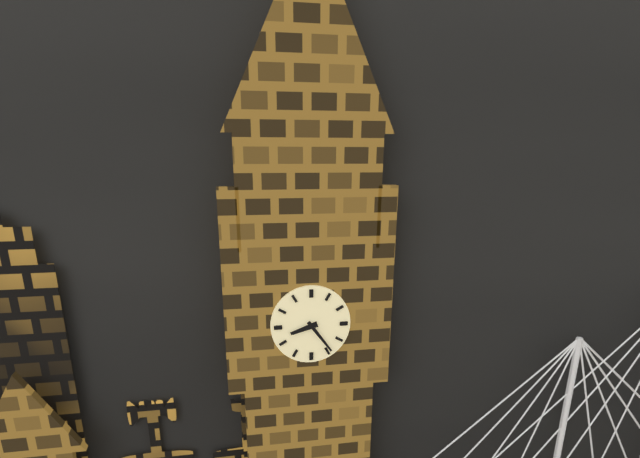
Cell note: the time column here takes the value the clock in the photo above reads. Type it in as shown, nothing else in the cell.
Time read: 8:24
